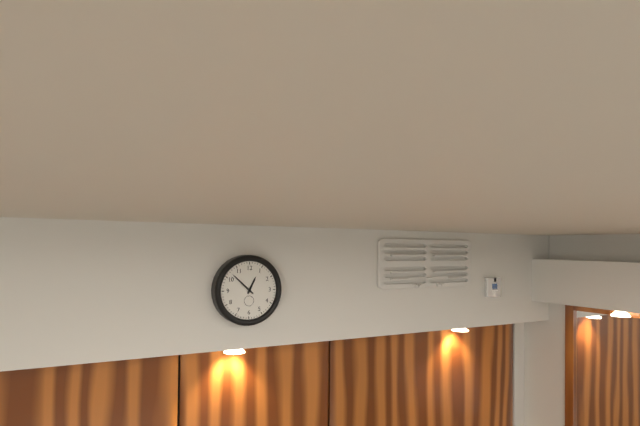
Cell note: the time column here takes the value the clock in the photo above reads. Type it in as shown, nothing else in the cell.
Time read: 12:52
